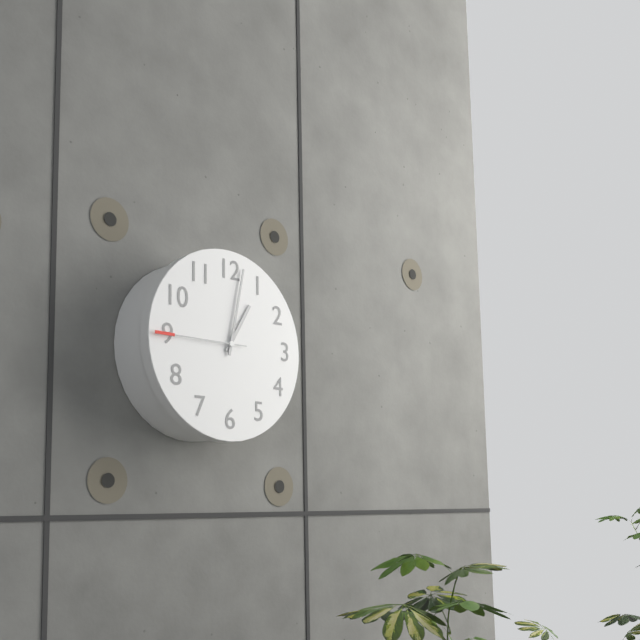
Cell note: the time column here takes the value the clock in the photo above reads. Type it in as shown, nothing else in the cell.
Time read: 1:02:45
